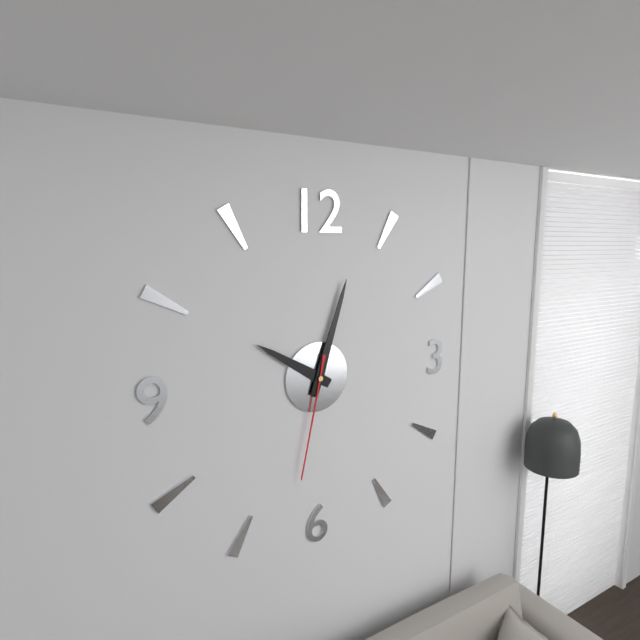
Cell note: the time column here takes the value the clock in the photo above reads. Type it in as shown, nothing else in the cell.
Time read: 10:03:32
